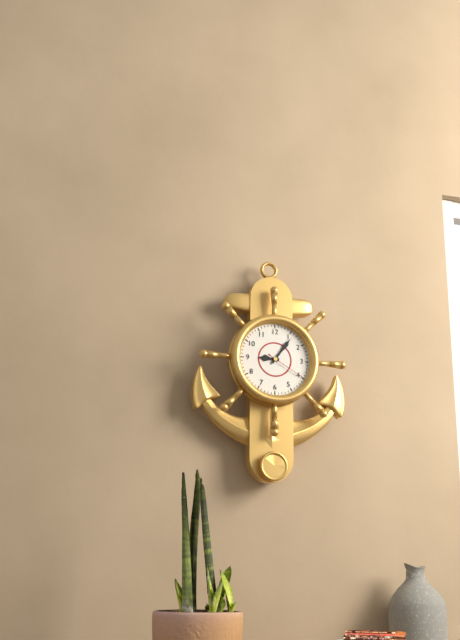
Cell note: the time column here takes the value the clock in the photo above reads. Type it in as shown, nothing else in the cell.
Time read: 9:06
